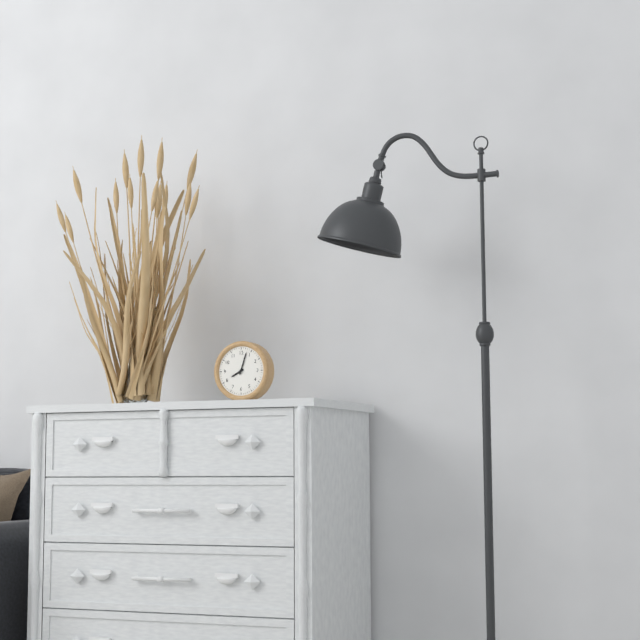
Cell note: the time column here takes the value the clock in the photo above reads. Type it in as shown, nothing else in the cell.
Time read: 8:03
